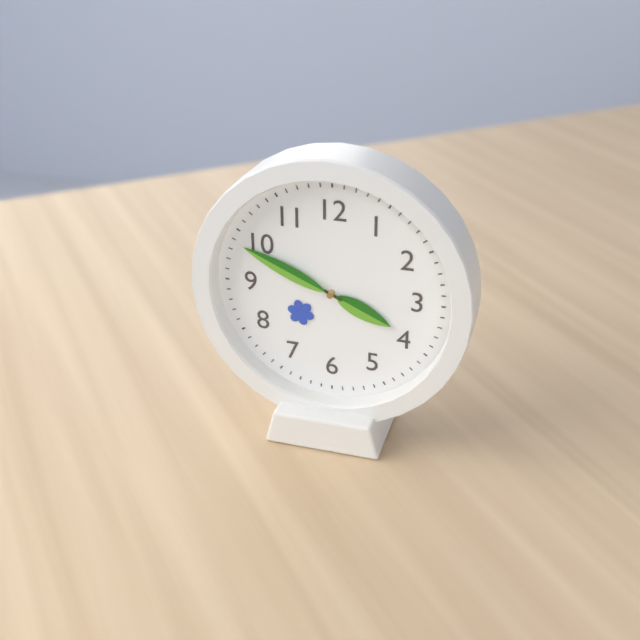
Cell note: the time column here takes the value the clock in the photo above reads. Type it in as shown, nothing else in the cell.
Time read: 3:49
